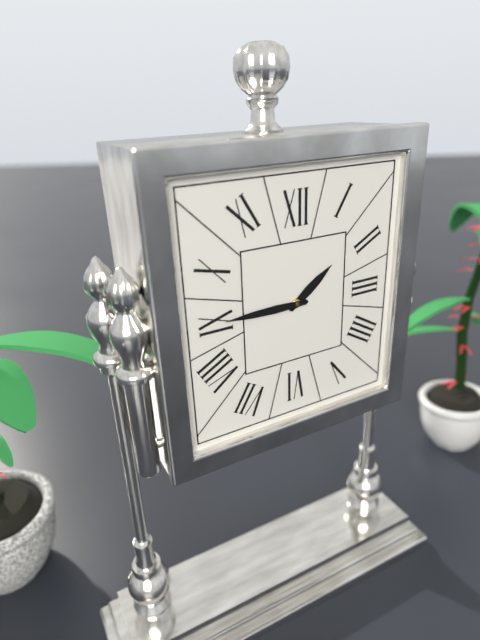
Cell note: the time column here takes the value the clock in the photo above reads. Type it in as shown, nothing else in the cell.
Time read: 1:45
